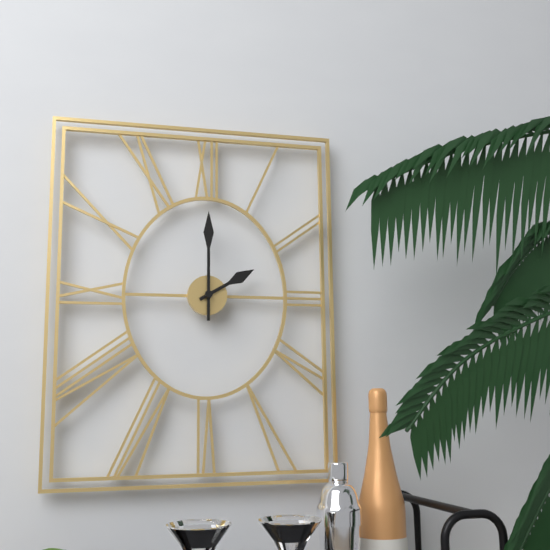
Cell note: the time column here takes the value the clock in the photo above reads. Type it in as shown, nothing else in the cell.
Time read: 2:00
